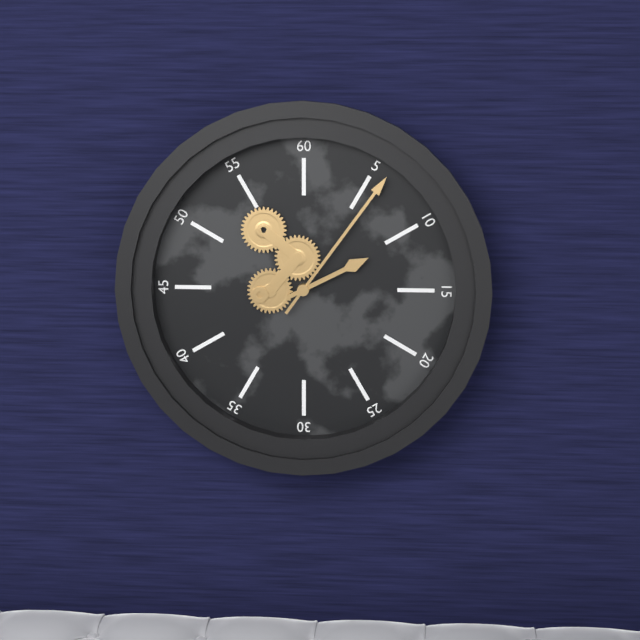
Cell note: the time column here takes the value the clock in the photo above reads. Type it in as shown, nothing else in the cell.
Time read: 2:06
